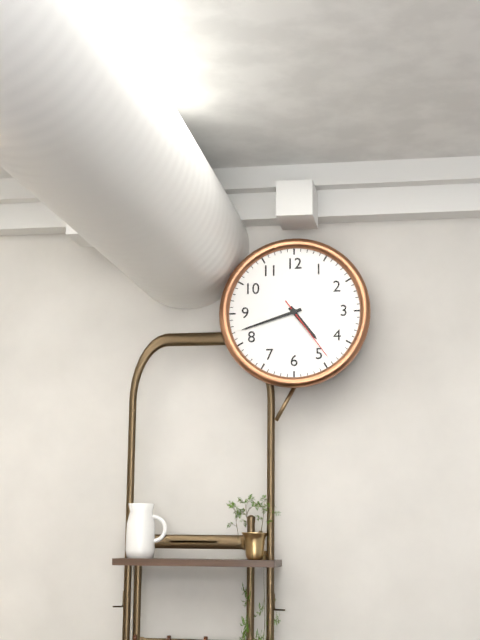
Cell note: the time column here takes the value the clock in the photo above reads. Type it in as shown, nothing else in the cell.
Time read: 4:42:24
